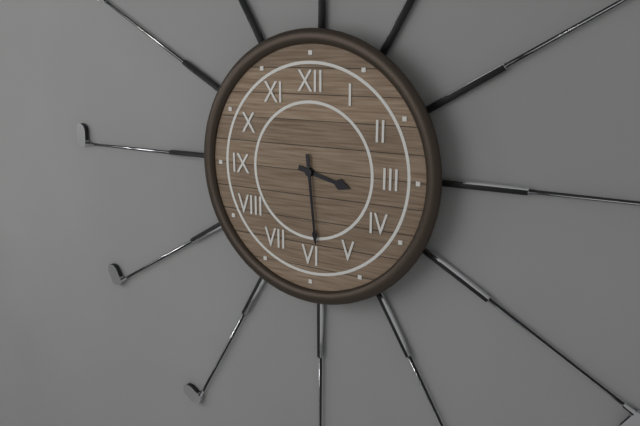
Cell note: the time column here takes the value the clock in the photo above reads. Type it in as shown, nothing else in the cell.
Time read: 3:29
